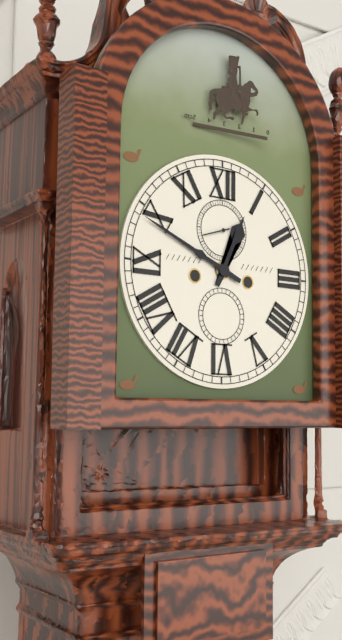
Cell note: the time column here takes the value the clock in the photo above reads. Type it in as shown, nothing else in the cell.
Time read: 12:49
